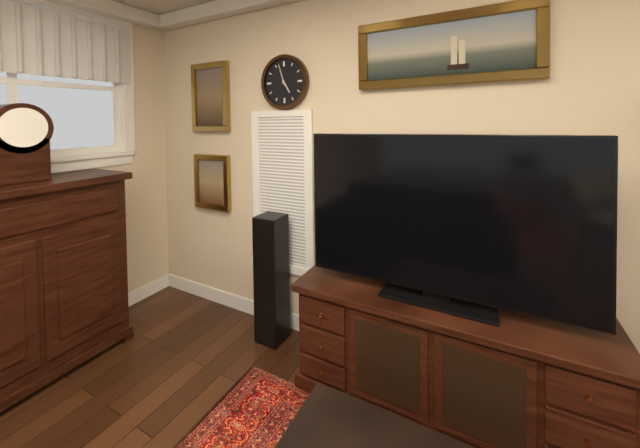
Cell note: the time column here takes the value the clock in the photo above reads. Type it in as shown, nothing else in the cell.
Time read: 4:57
